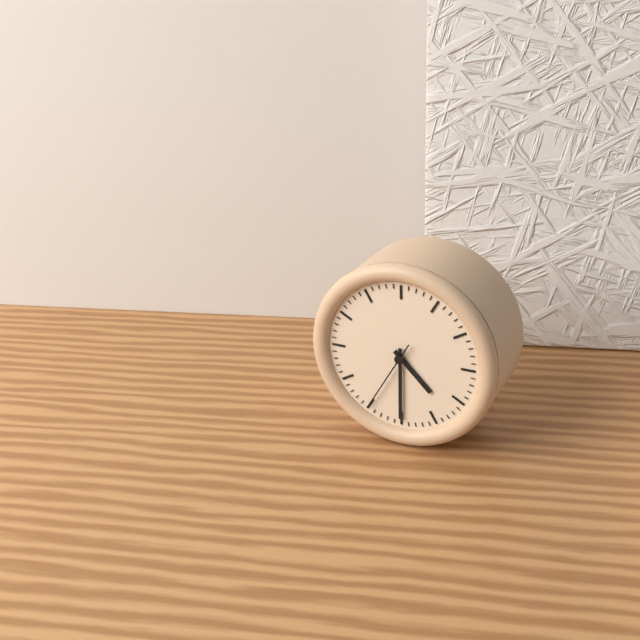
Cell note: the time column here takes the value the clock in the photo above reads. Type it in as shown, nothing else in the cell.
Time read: 4:30:35
